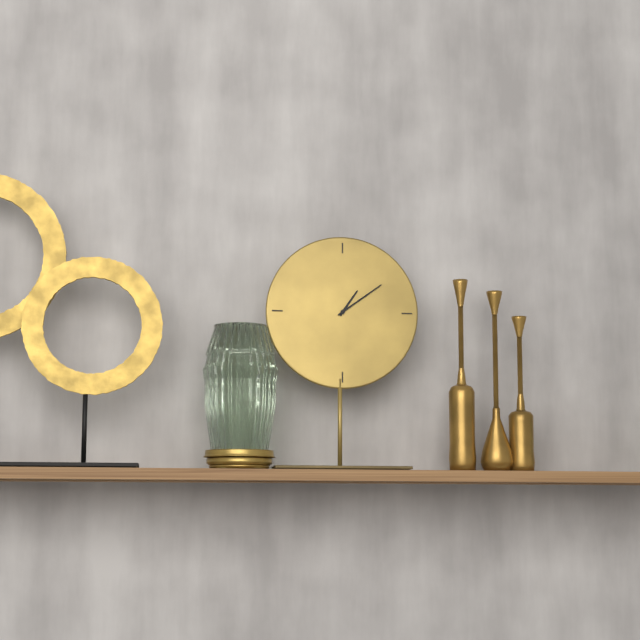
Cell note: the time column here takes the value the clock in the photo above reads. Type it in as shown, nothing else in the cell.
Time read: 1:09
